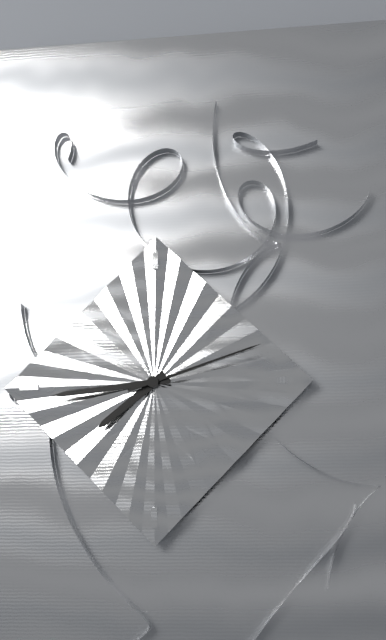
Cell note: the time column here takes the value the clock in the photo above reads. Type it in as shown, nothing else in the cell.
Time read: 7:44:12
